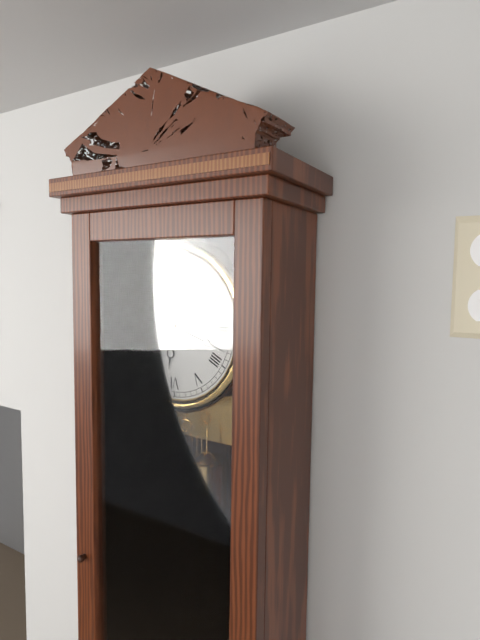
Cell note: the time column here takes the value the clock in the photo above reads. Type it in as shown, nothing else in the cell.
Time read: 6:18
